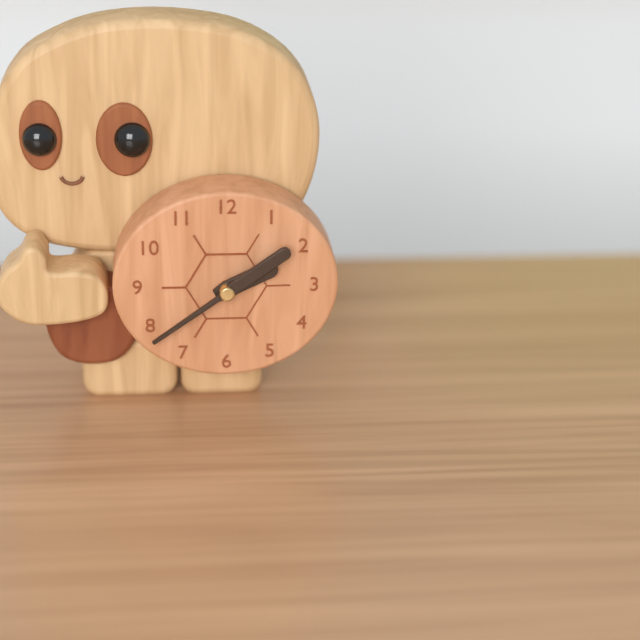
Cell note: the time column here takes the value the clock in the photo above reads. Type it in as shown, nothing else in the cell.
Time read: 2:09
